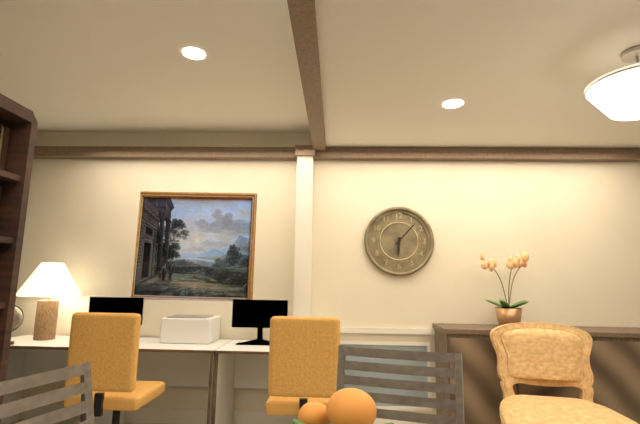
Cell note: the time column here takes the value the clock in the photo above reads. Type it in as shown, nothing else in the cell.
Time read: 6:07
